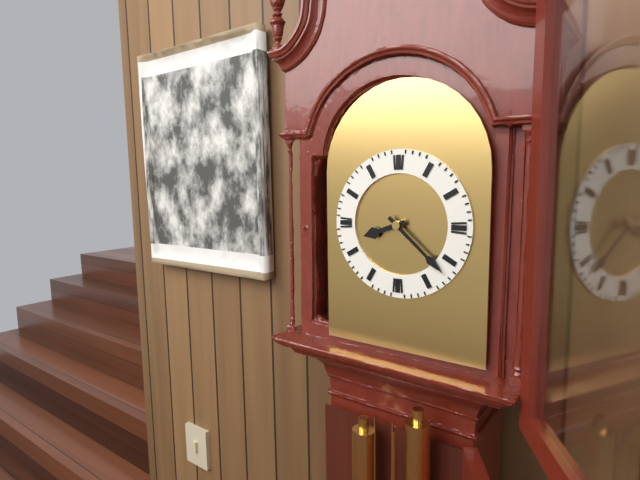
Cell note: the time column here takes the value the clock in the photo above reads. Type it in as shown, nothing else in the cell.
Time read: 8:22
